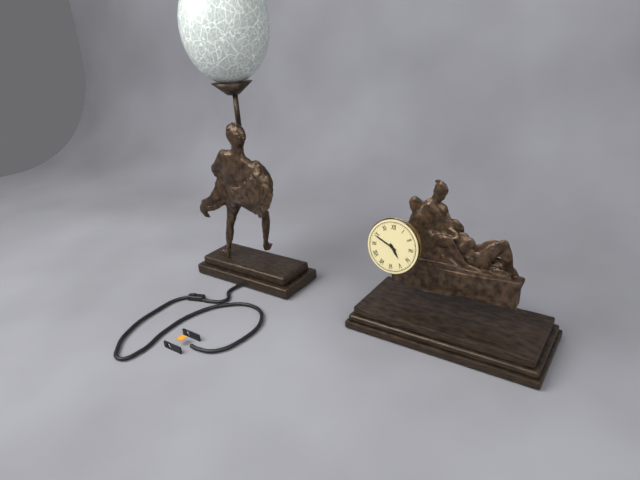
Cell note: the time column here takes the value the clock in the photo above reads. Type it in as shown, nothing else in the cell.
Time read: 4:49
